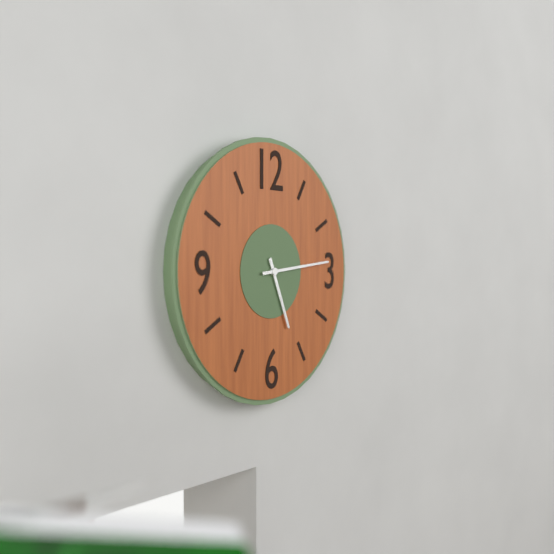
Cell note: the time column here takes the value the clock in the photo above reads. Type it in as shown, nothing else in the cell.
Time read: 5:14
